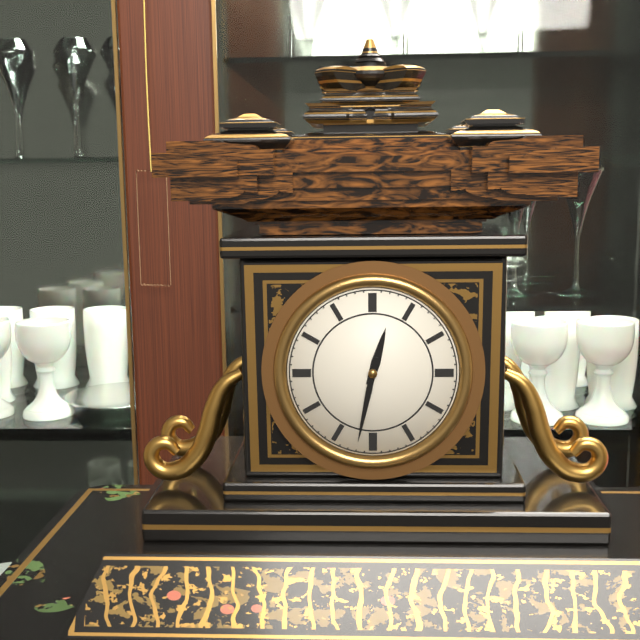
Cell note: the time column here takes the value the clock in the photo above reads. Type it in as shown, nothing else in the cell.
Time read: 12:32
